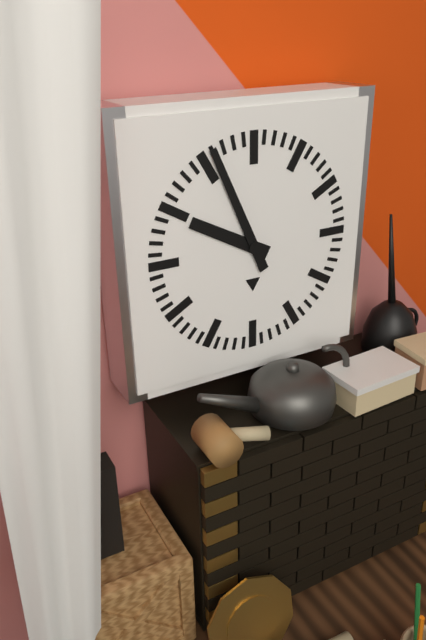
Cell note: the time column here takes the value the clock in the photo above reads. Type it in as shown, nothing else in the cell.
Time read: 9:56
